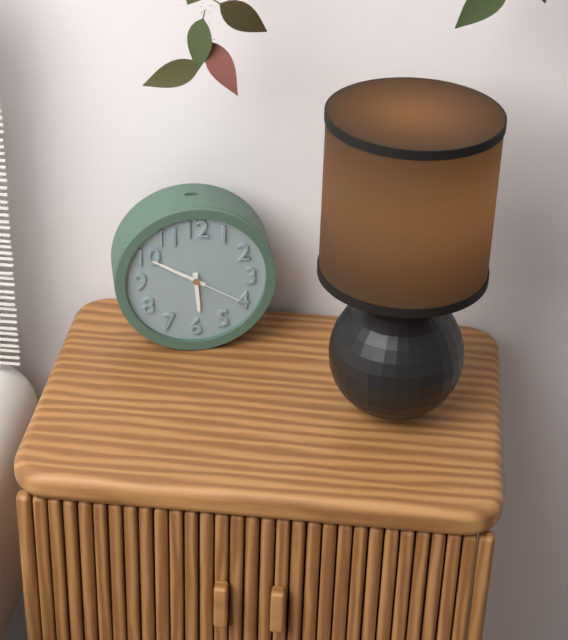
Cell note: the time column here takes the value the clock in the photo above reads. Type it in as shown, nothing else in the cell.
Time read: 5:50:20
